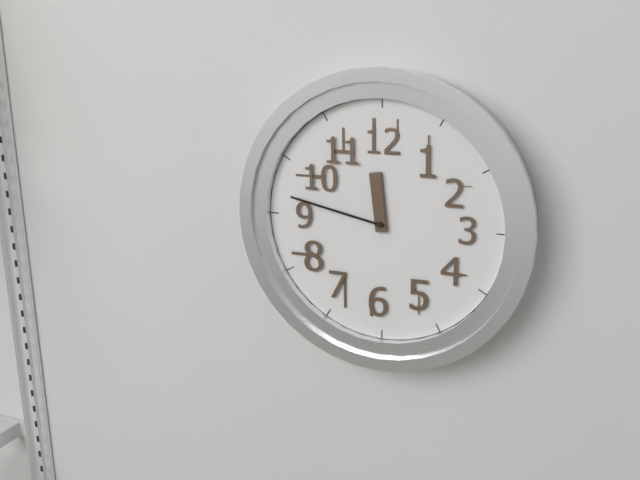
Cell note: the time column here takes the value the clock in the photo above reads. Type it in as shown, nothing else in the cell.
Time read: 11:47
